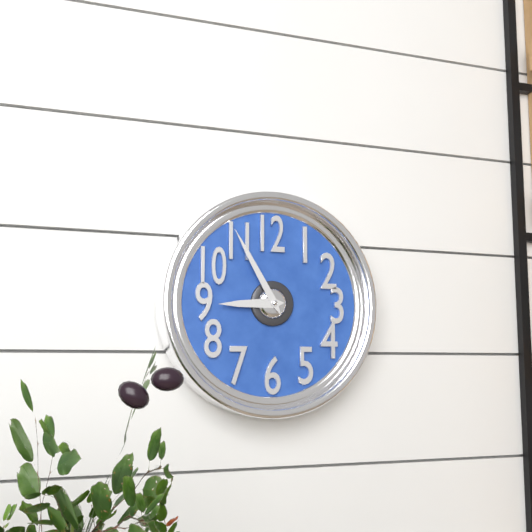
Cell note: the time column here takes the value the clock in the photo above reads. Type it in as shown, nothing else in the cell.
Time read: 8:55
